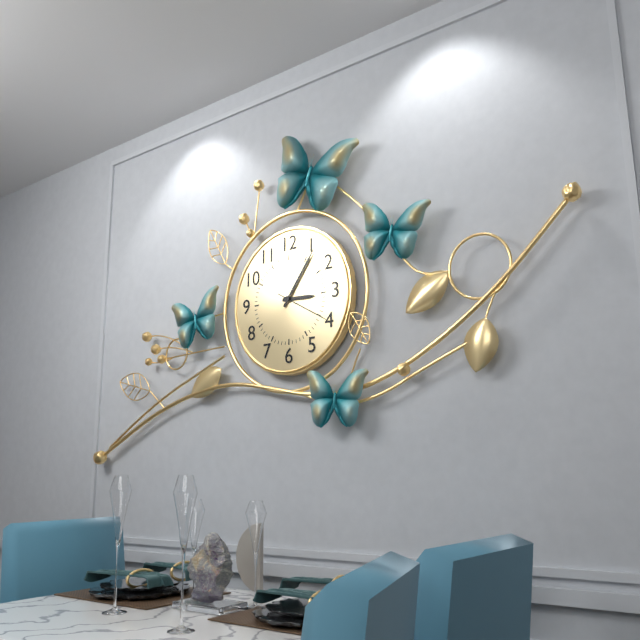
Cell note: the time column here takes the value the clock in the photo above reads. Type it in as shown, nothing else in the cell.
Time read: 3:06:20
